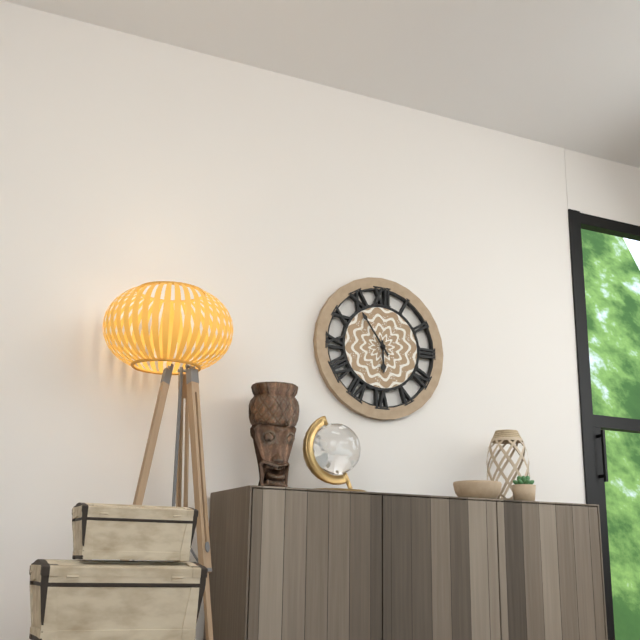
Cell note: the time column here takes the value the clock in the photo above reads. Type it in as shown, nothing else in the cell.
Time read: 5:54
